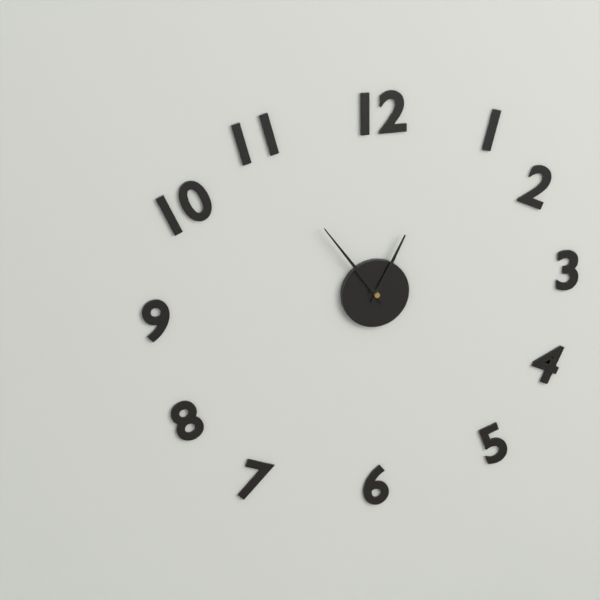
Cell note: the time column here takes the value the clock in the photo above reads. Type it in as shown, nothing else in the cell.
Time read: 12:54
